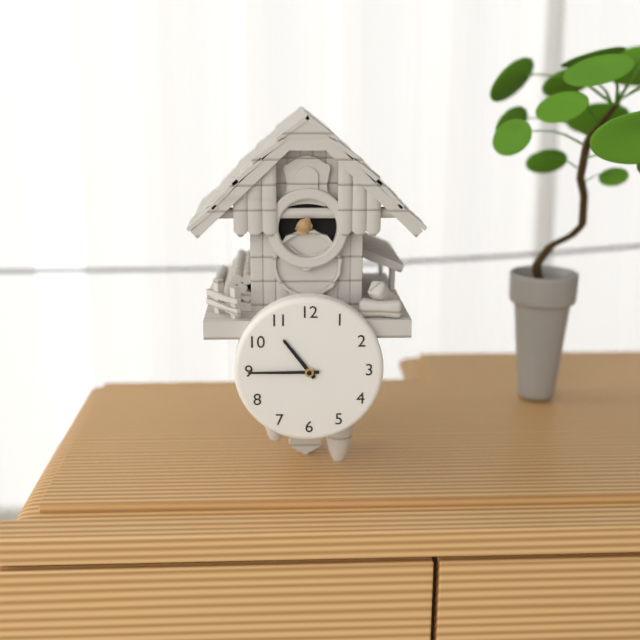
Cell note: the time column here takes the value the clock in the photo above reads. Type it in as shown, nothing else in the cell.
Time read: 10:45
